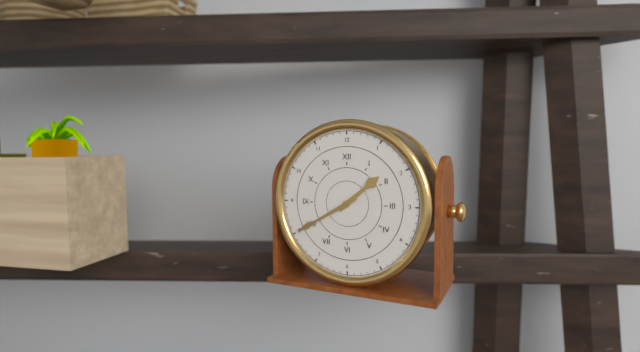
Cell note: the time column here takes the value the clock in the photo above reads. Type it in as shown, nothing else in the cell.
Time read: 1:40
